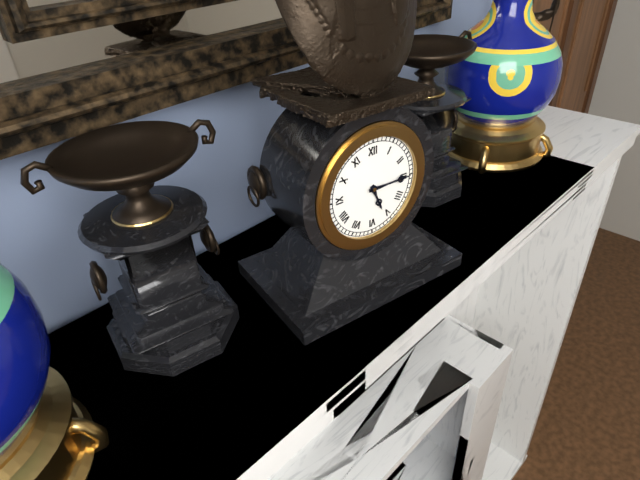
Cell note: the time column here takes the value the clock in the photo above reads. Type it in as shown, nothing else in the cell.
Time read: 5:15
